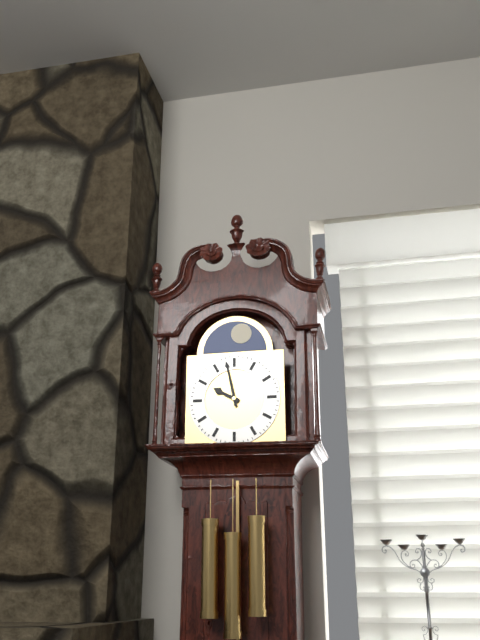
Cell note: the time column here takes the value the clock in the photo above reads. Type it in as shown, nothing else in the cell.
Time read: 9:58
